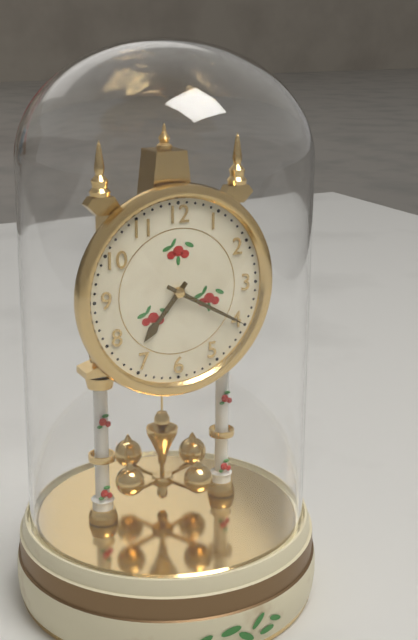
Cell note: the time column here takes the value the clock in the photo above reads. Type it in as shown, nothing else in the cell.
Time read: 7:20
